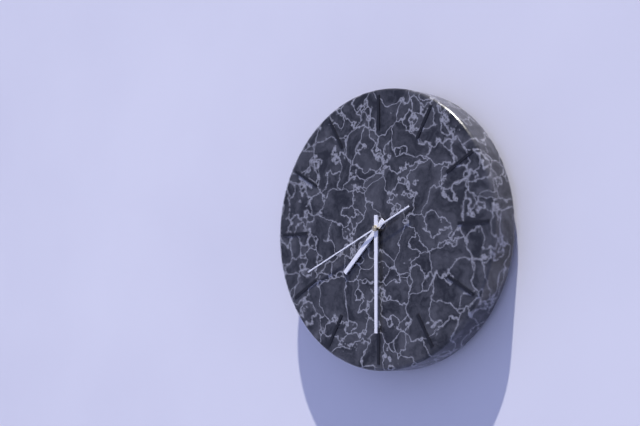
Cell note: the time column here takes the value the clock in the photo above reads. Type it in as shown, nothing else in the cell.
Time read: 7:30:41
